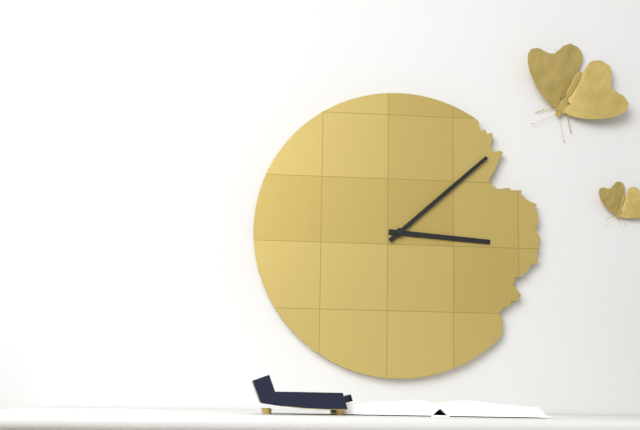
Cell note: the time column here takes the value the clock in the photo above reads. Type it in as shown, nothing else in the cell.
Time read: 3:08
